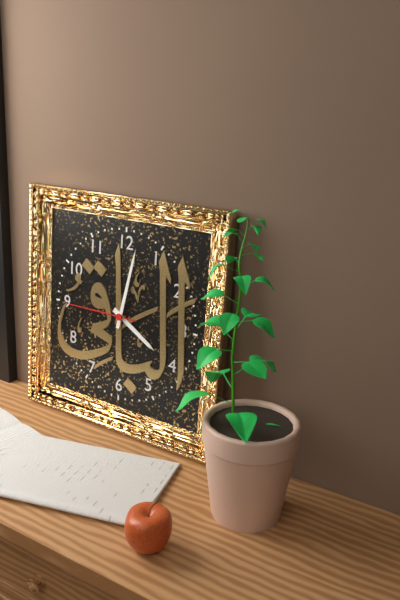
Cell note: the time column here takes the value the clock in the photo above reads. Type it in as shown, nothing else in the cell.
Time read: 4:02:45
